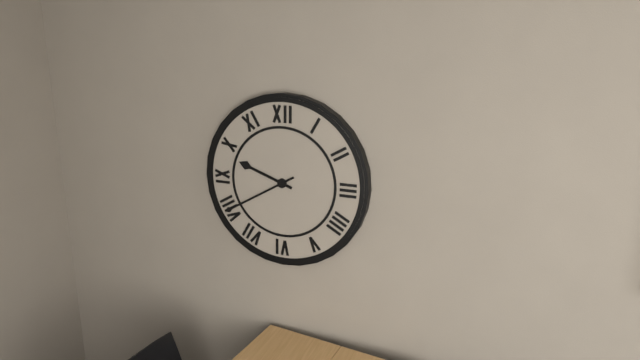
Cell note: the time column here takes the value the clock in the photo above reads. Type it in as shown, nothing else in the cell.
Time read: 9:40
